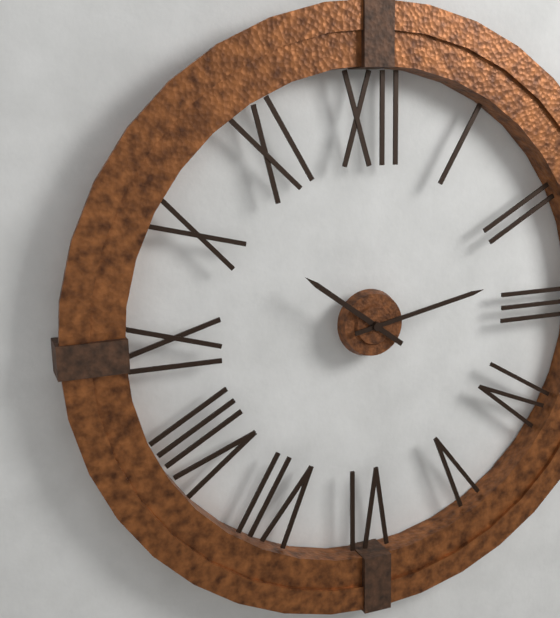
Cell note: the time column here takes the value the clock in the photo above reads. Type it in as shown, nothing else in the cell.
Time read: 10:13
